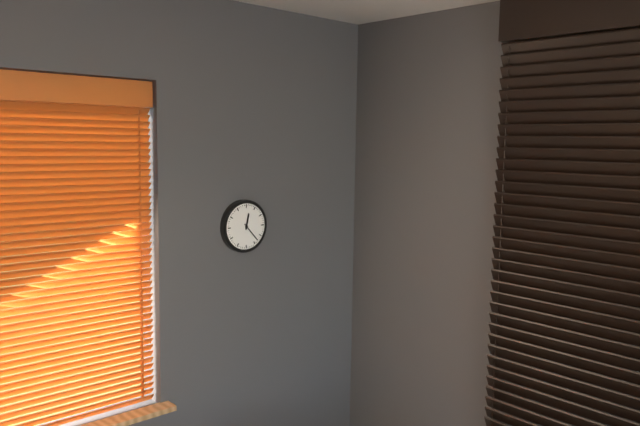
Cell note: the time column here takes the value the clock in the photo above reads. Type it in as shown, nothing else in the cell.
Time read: 12:23
